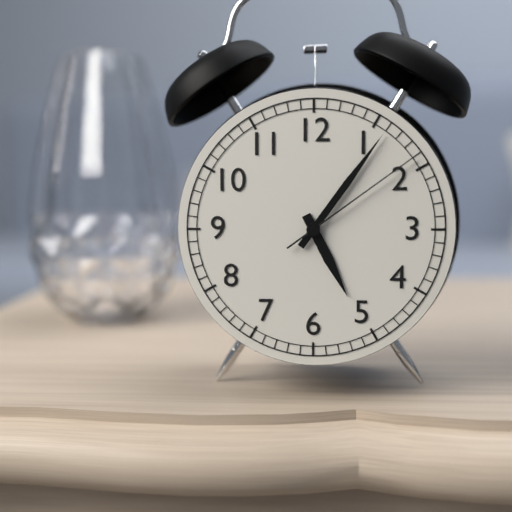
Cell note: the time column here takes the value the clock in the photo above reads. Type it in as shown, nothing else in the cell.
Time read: 5:06:09
